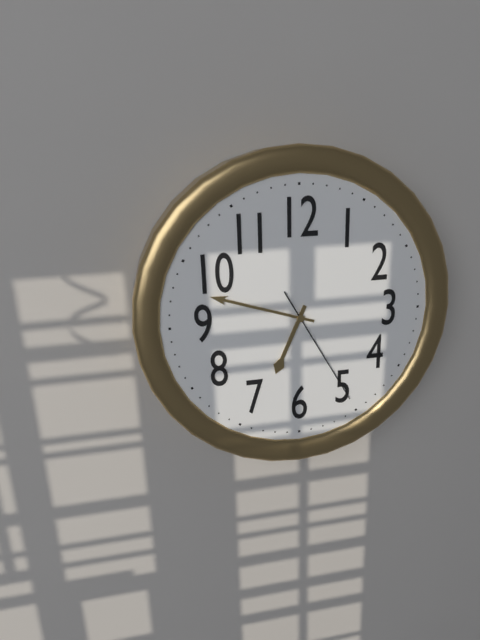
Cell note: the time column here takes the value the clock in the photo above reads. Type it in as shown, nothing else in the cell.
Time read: 6:48:25
